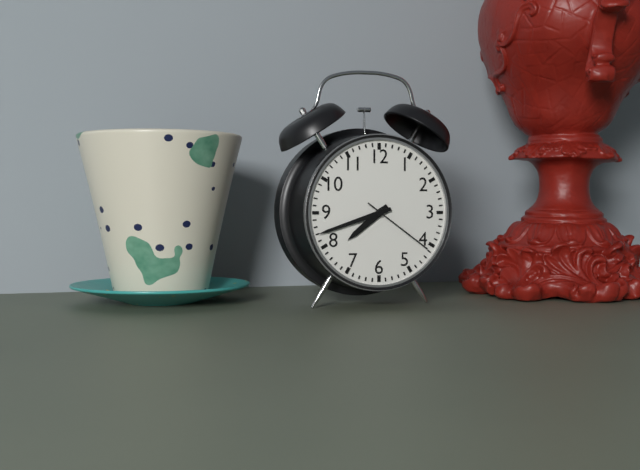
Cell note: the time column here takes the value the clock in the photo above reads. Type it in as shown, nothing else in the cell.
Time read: 7:42:21
